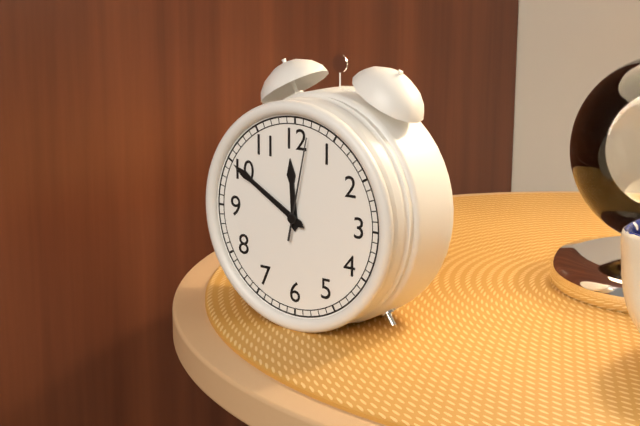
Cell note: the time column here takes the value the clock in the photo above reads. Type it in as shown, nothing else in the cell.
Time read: 11:50:02
